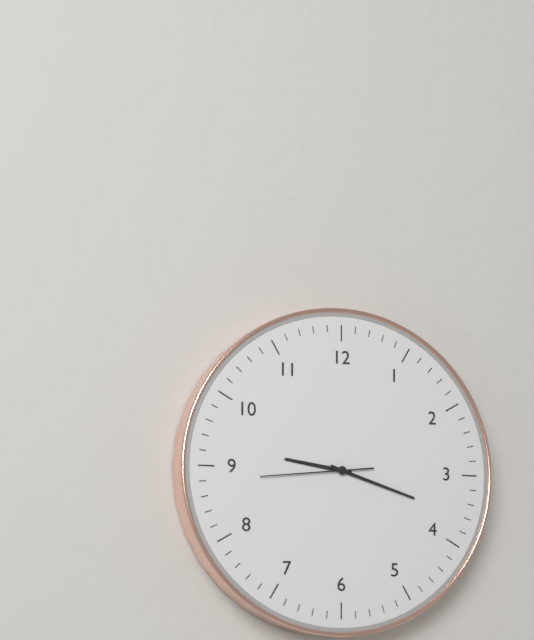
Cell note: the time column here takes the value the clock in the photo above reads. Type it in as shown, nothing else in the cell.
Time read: 9:18:44
